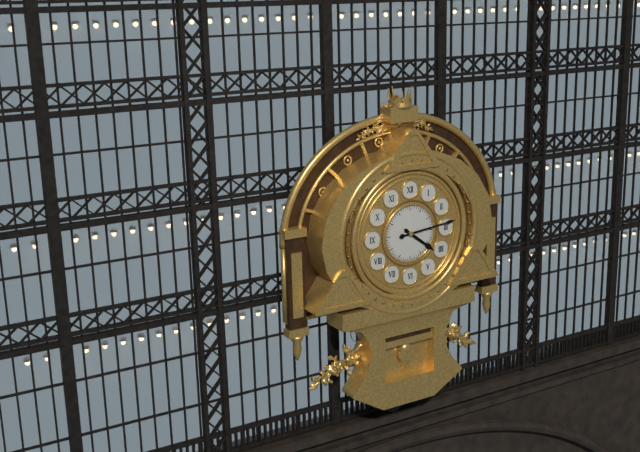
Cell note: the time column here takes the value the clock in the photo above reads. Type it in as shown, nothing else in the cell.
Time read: 4:14
